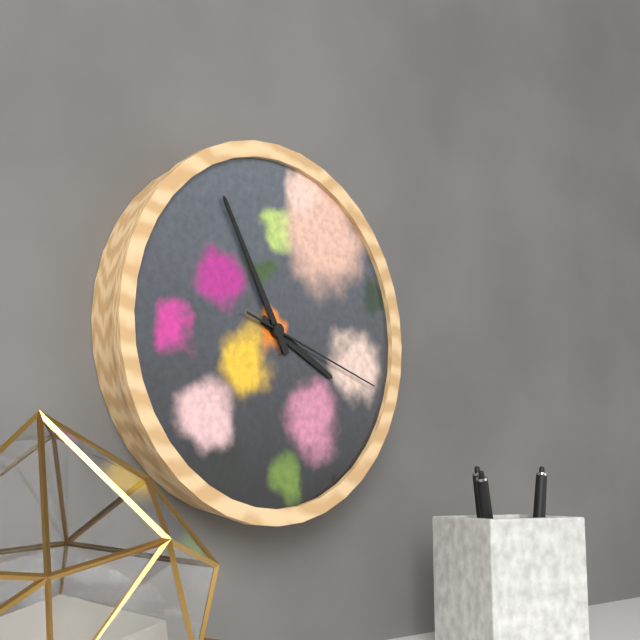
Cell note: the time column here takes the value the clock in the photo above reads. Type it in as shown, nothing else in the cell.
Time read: 3:55:18
